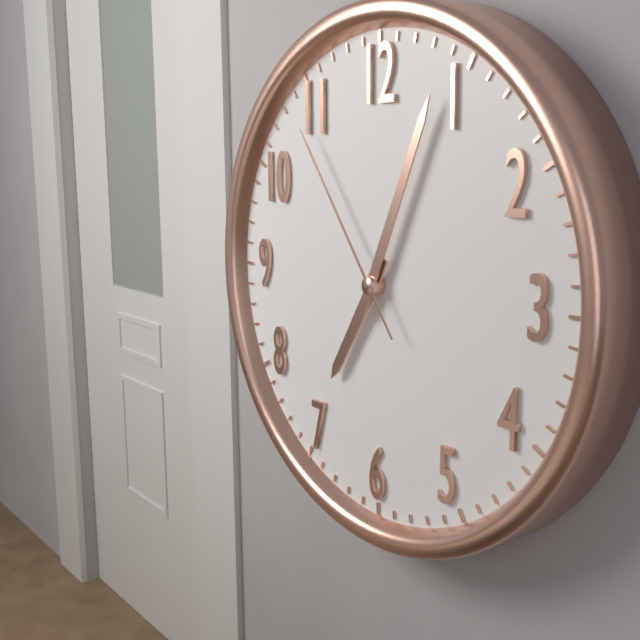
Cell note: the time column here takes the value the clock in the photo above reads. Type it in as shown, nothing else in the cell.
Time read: 7:04:54
